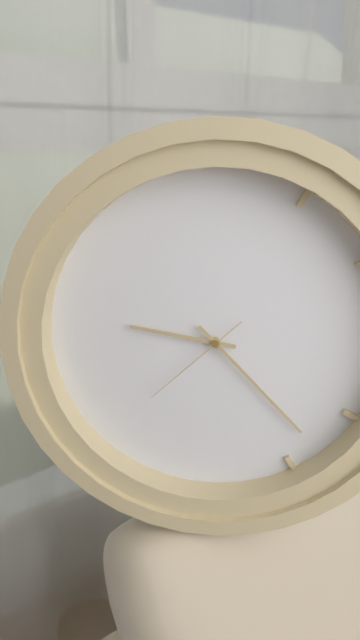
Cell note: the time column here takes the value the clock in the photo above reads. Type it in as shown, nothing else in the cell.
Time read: 9:23:38
